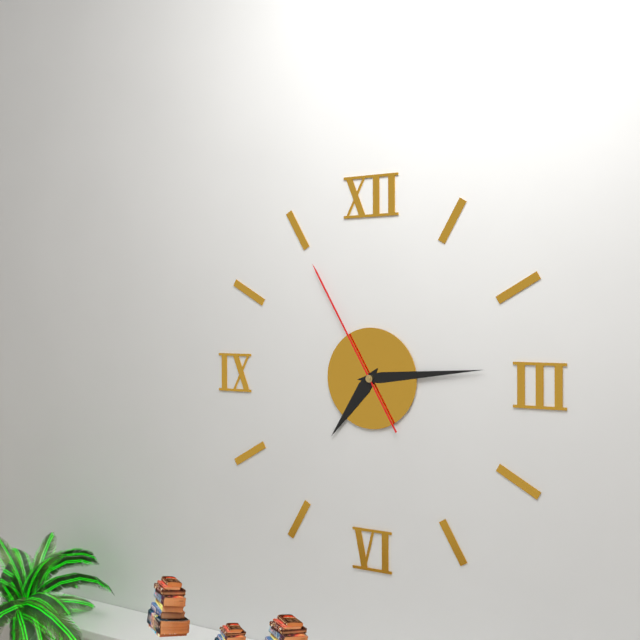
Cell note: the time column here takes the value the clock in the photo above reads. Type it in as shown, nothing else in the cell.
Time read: 7:14:55
